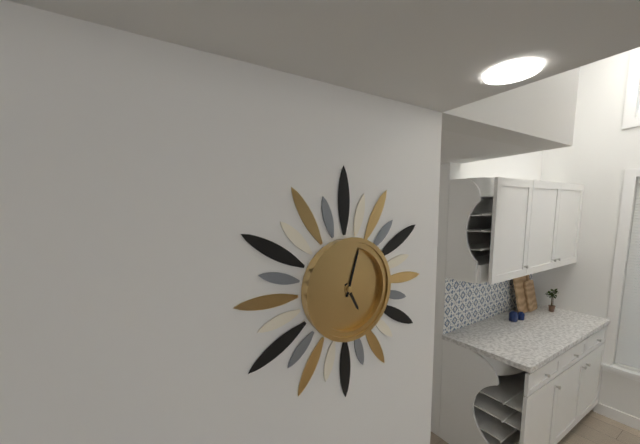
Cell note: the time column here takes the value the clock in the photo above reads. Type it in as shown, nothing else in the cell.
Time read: 5:03
